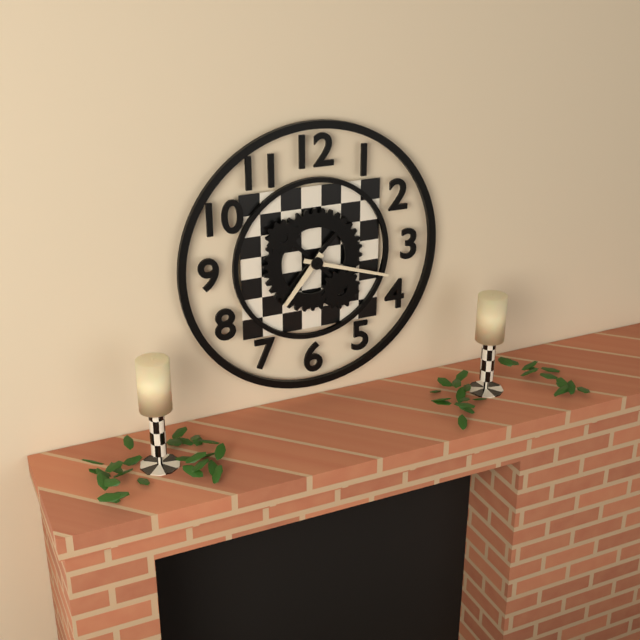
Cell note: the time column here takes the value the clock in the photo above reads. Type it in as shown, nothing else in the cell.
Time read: 7:18
